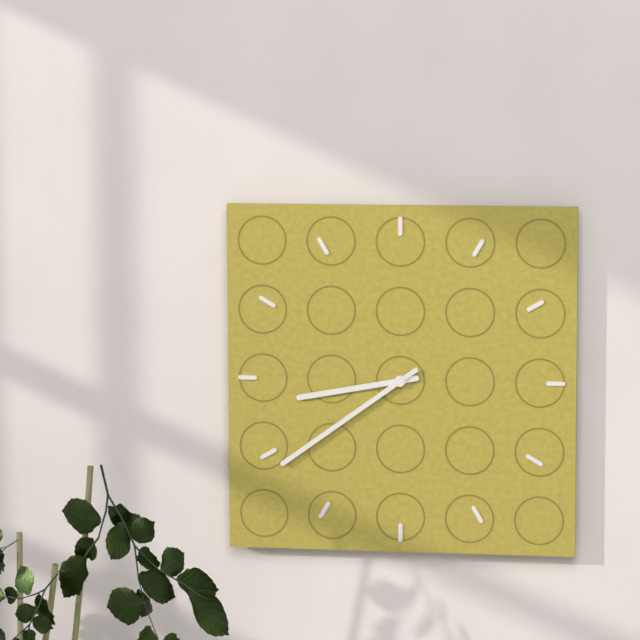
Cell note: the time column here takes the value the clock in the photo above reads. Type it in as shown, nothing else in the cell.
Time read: 8:39
